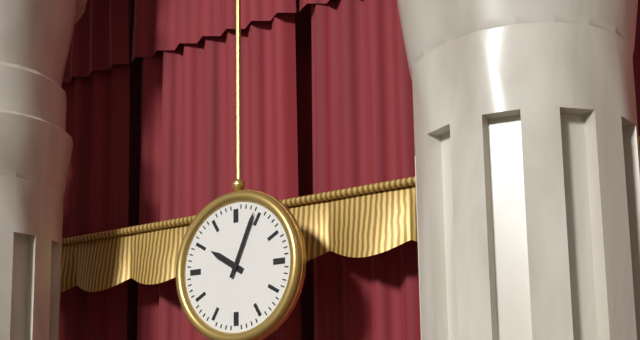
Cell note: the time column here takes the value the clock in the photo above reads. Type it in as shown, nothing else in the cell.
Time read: 10:04
